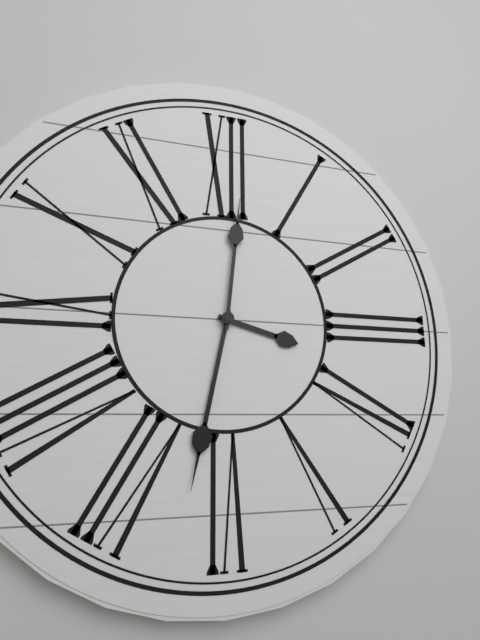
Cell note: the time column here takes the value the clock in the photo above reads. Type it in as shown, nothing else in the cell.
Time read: 3:32:01
